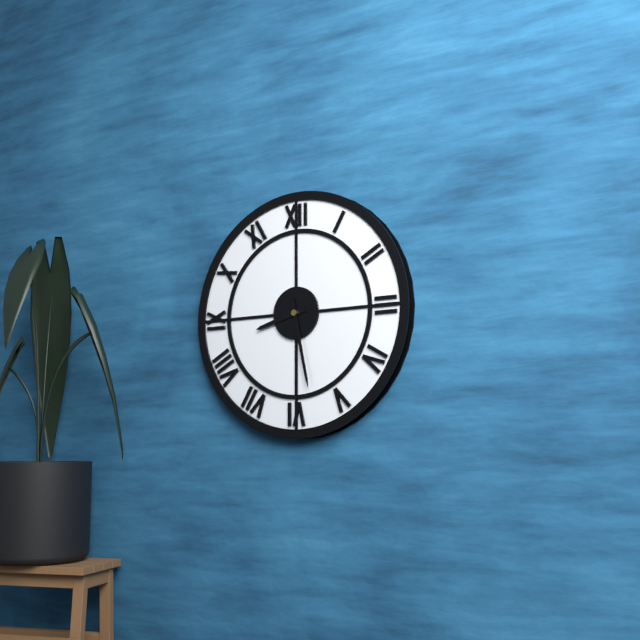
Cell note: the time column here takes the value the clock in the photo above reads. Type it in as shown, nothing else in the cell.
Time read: 8:28
